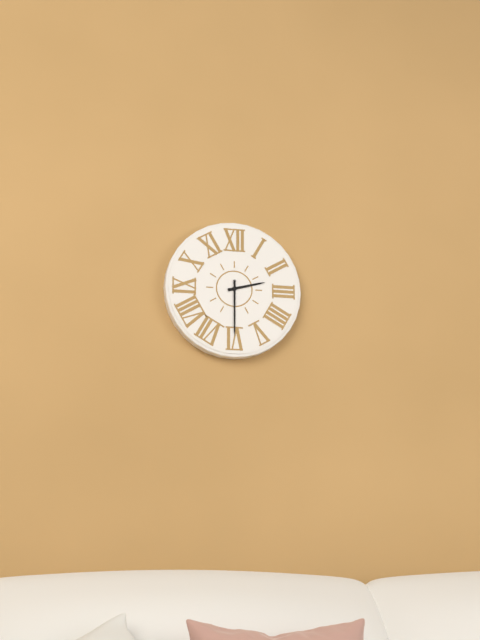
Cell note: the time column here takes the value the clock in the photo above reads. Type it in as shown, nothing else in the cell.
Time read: 2:30
